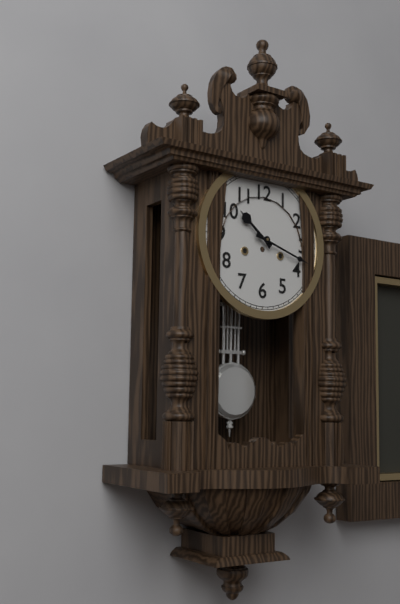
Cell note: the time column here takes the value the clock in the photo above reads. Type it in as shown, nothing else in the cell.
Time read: 10:18
